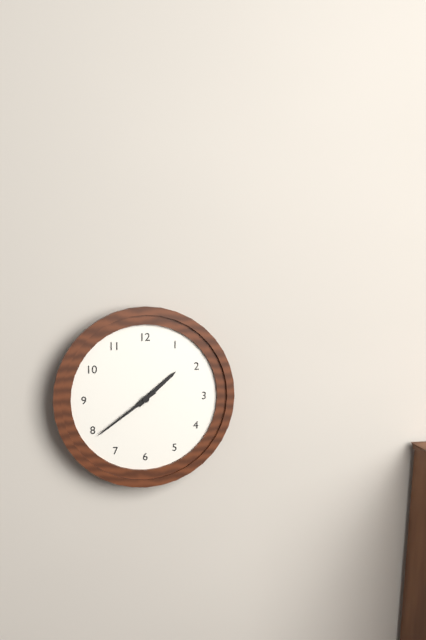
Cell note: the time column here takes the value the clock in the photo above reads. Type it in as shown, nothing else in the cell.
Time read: 1:39
